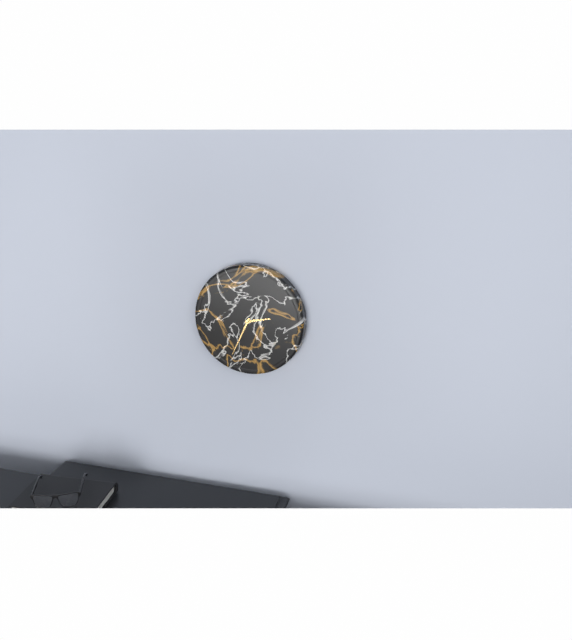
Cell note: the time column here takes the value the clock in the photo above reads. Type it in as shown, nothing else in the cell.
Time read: 2:34
